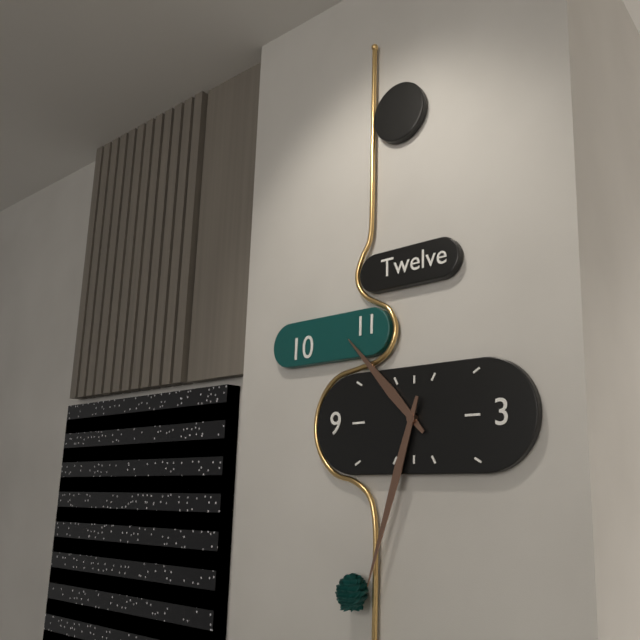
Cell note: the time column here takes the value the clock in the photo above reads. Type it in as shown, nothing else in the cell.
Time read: 10:33
